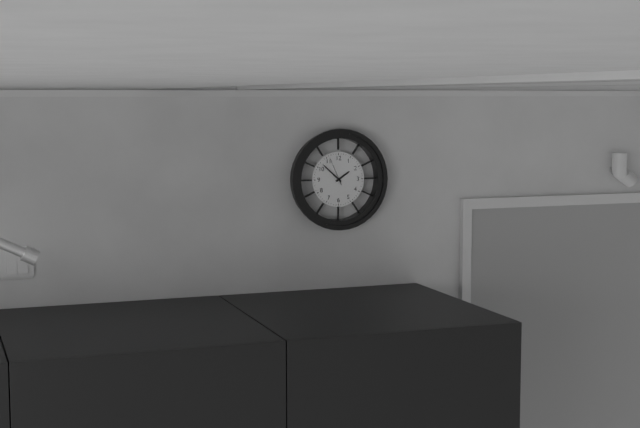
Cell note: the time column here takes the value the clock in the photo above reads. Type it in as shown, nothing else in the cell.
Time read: 1:52
